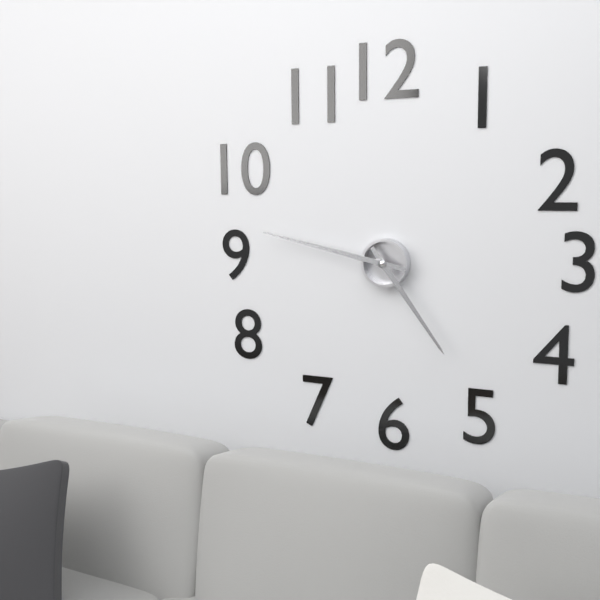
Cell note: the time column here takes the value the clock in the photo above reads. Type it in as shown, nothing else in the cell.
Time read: 4:47
